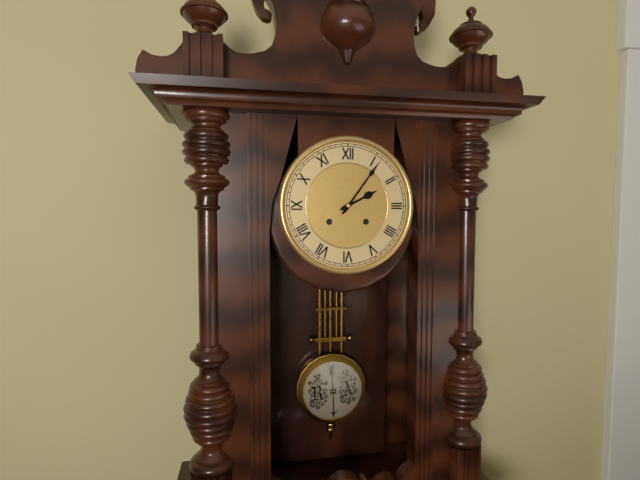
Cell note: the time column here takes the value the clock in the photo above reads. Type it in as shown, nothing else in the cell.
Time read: 2:06
